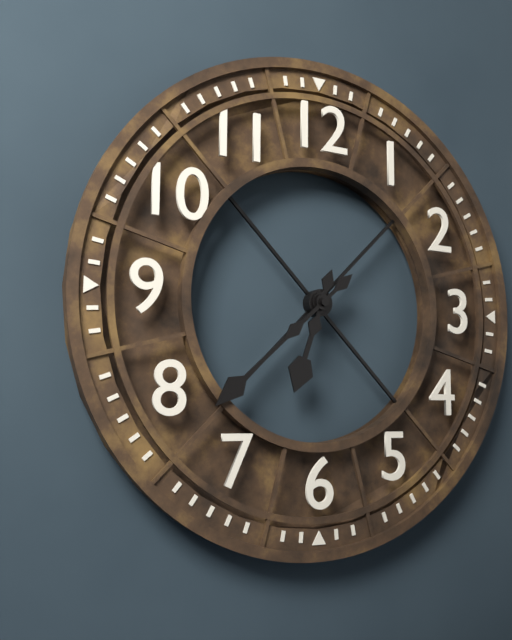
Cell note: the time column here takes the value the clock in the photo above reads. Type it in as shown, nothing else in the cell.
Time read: 6:38
